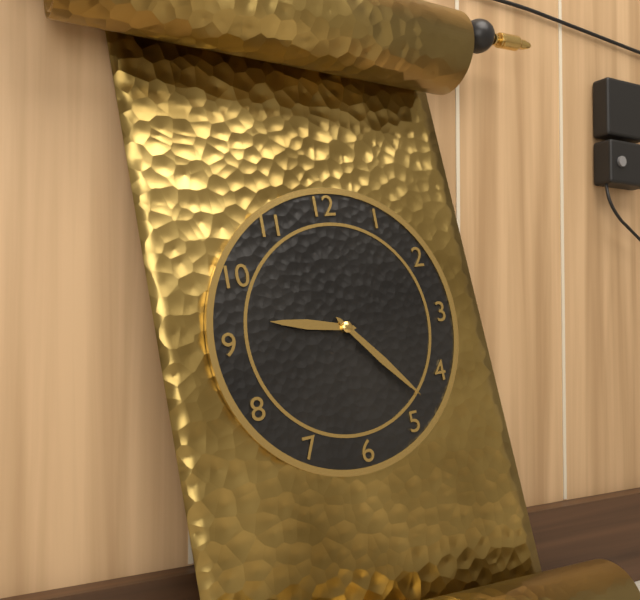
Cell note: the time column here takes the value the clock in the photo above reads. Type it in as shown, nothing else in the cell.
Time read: 9:23
